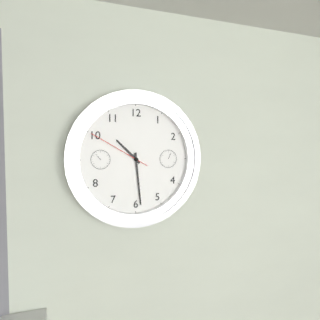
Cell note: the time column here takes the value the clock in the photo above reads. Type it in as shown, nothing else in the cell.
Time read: 10:29:50
